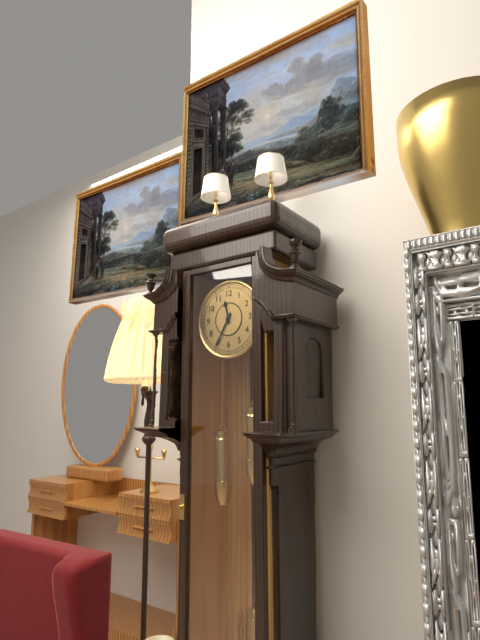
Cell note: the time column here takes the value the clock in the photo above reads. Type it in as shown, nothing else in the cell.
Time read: 11:35
